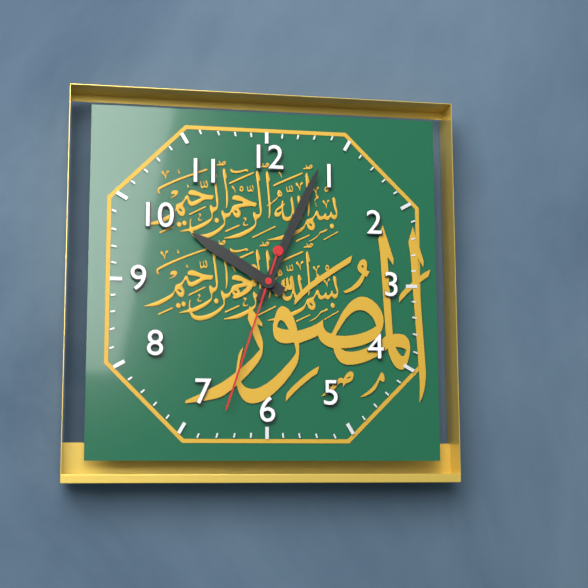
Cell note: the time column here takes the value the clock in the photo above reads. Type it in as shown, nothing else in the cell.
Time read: 10:04:33
